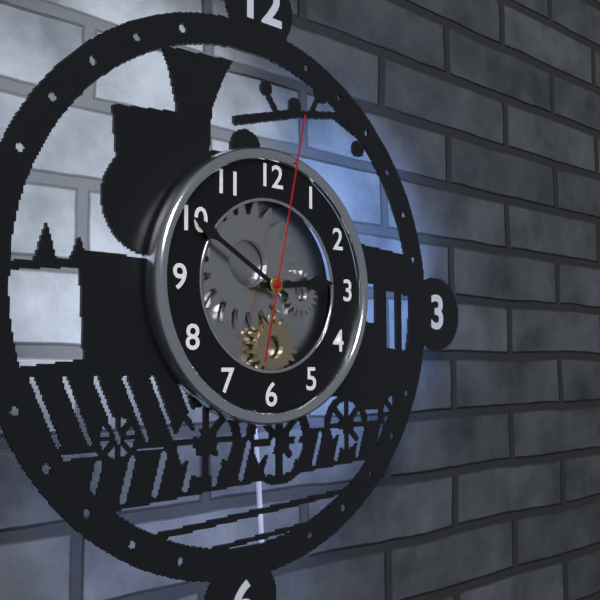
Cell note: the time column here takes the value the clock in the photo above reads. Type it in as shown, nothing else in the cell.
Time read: 2:50:02
